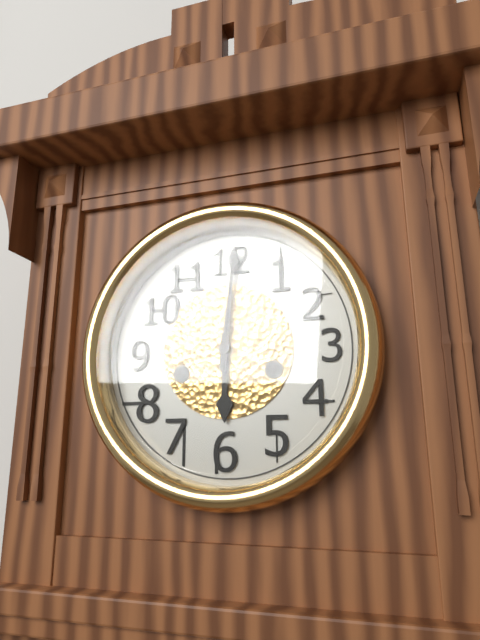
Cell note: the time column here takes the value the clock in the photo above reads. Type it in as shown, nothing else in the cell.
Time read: 6:01
